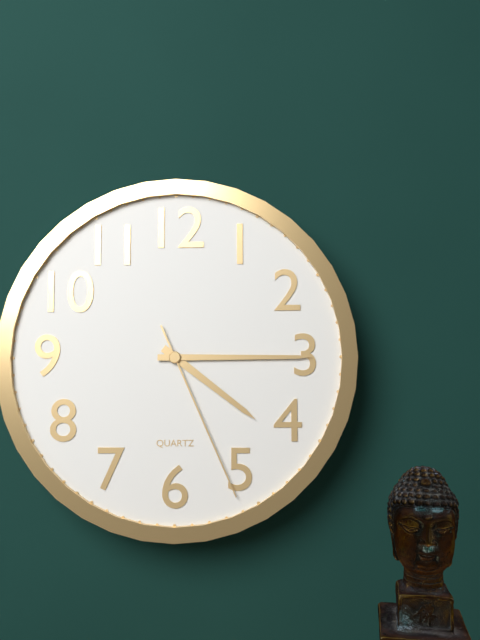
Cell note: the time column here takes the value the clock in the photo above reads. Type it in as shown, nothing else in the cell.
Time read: 4:15:26
